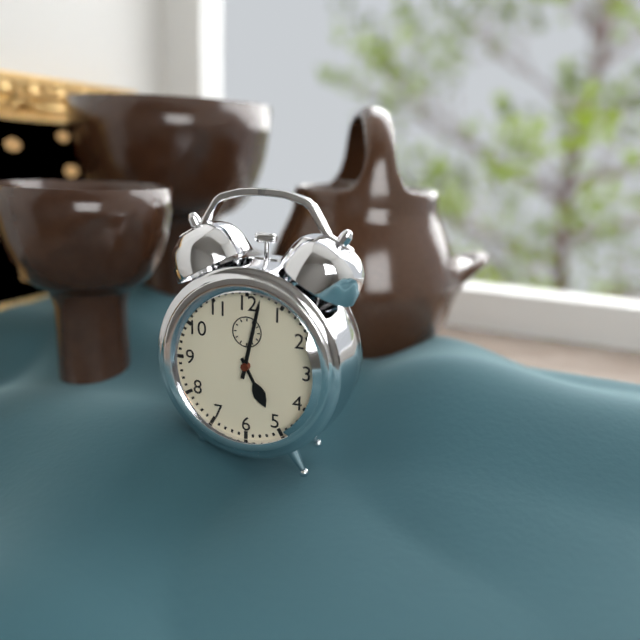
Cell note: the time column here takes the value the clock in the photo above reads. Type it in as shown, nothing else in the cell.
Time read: 5:02
